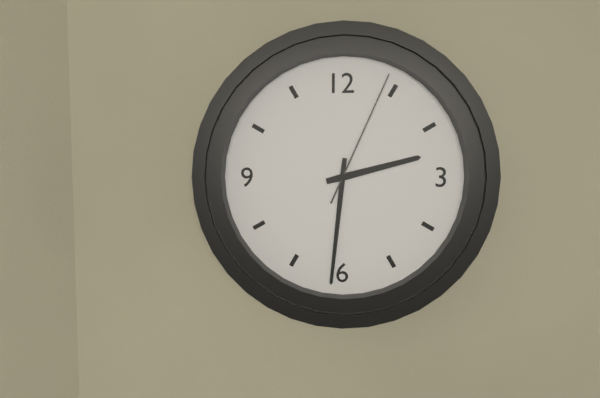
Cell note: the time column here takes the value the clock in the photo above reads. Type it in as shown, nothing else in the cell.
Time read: 2:31:04
